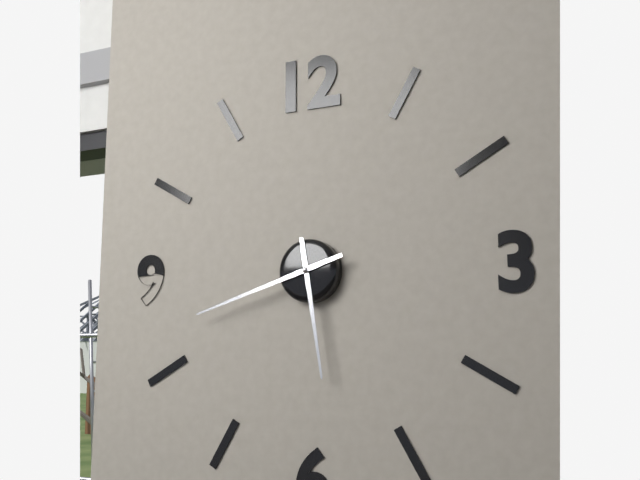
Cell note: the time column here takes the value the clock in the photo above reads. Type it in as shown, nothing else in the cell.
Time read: 5:42
